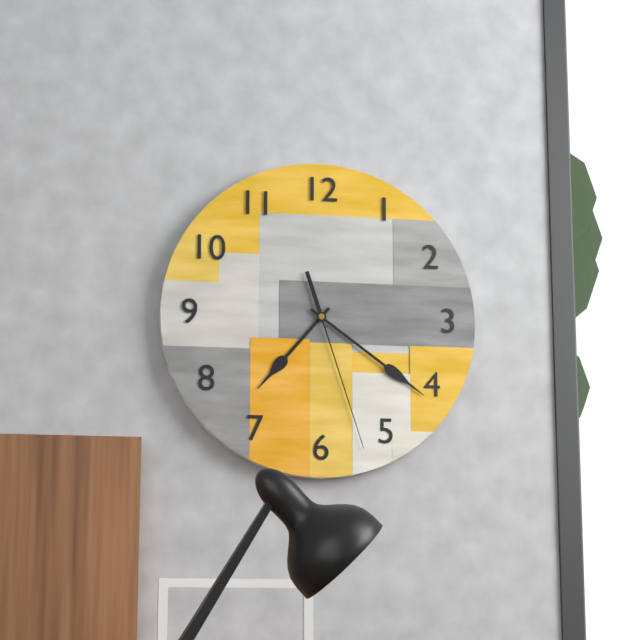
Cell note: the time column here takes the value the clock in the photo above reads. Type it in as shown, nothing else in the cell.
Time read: 7:21:27
